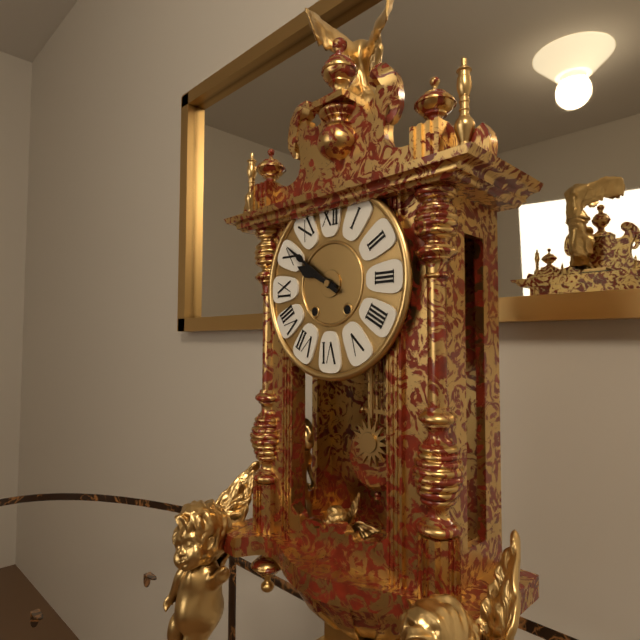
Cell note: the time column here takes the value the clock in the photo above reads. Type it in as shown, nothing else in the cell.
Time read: 9:51
